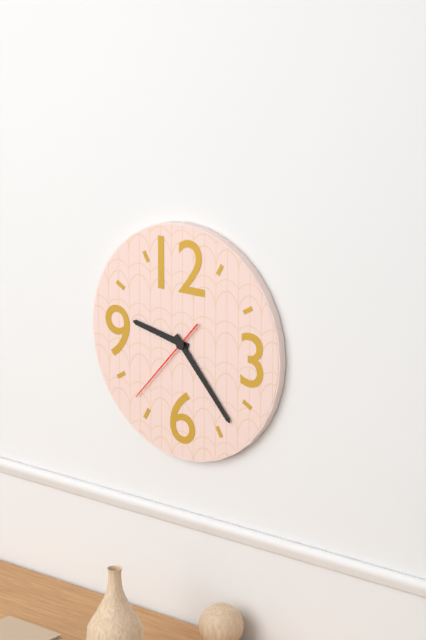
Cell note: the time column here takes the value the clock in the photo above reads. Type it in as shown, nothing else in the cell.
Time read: 9:23:37
